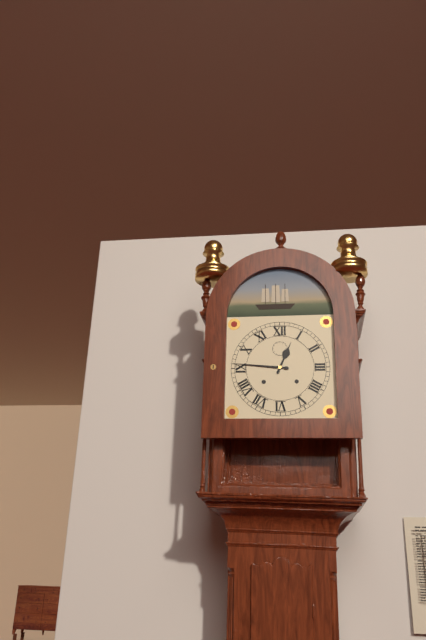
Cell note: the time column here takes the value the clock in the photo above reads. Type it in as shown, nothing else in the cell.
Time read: 12:46
